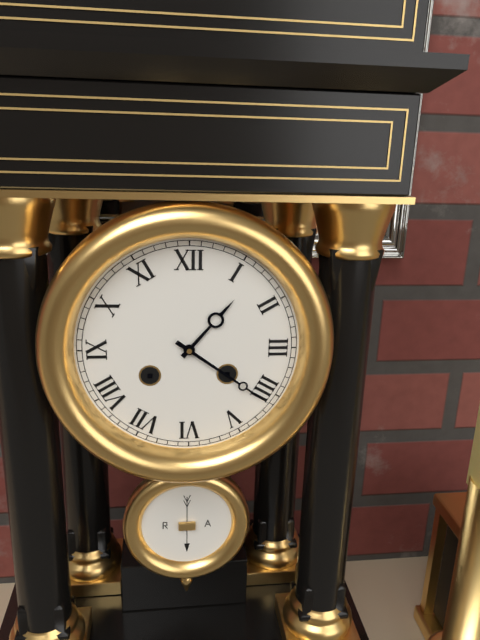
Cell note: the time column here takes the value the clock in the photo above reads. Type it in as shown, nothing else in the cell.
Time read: 1:21
